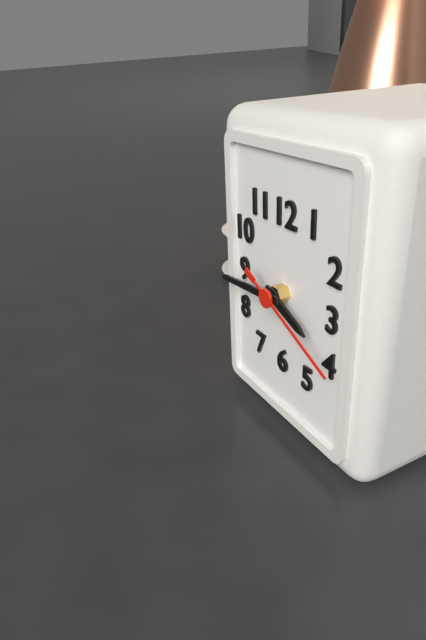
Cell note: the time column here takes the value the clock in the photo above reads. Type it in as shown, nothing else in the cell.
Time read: 3:44:19
